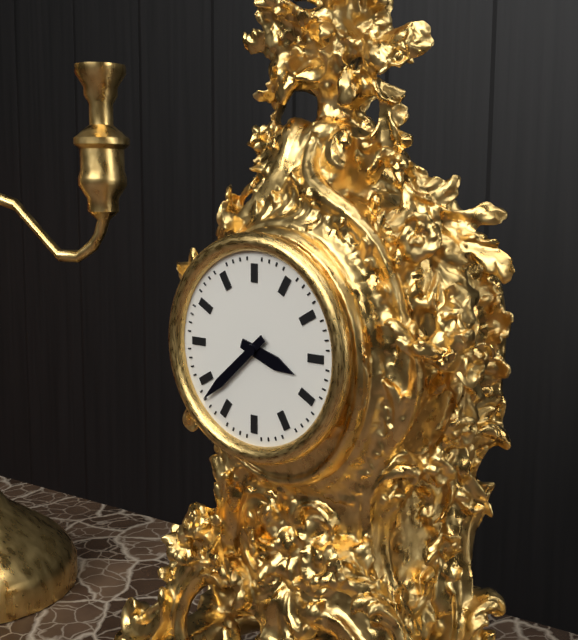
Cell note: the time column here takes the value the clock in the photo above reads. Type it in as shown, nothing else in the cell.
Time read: 3:38
